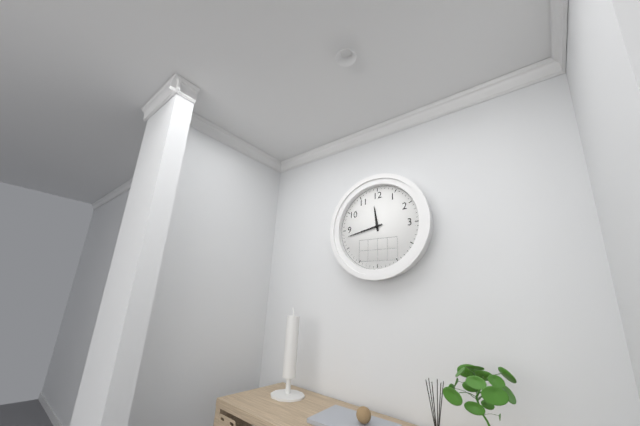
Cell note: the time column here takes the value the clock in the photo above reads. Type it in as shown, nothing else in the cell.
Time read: 11:43
